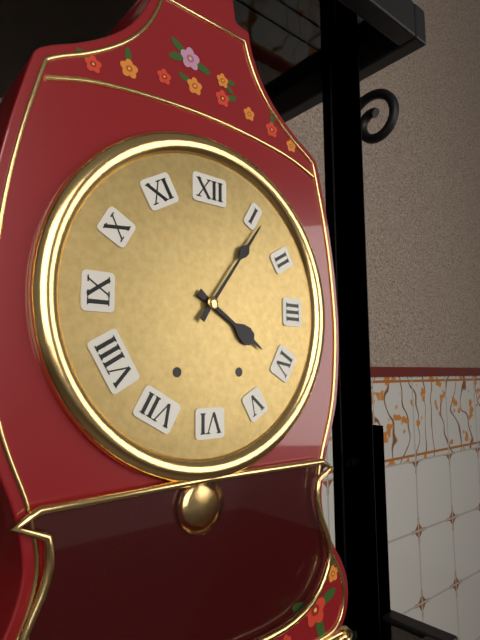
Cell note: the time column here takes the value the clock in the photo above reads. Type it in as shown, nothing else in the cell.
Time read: 4:06
